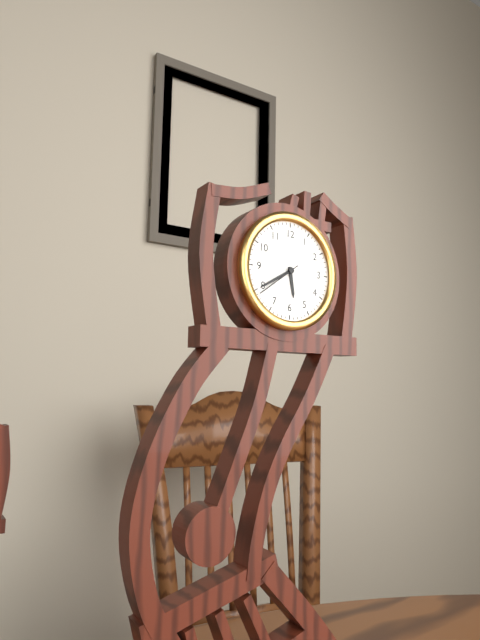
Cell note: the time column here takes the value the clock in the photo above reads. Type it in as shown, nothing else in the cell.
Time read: 5:40
